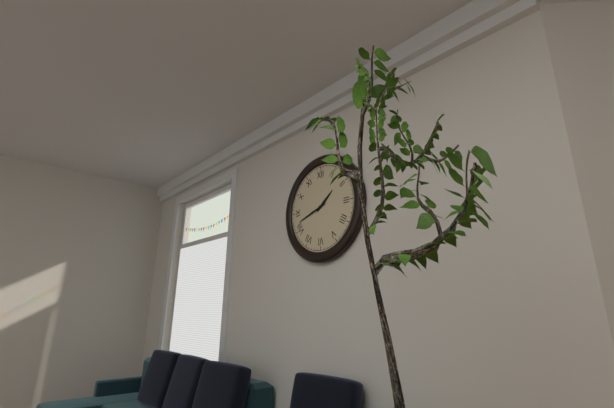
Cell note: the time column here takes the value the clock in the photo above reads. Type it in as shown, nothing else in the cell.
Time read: 1:42
